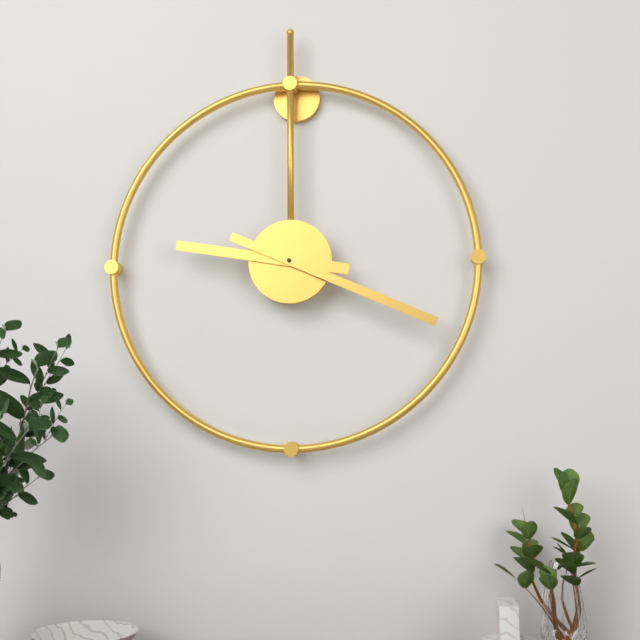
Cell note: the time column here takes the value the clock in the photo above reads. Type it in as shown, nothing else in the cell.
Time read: 9:19
